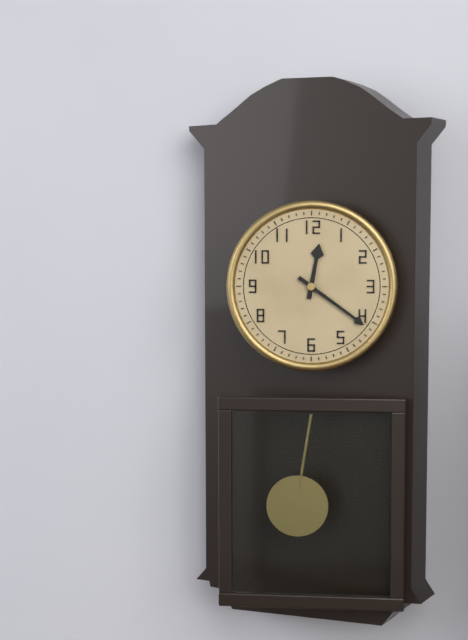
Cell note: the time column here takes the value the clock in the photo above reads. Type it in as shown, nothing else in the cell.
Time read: 12:21
